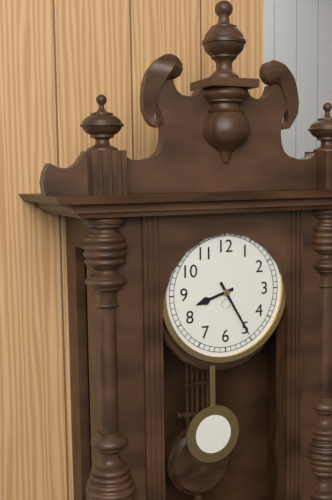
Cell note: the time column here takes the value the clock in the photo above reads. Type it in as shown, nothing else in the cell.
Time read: 8:25
